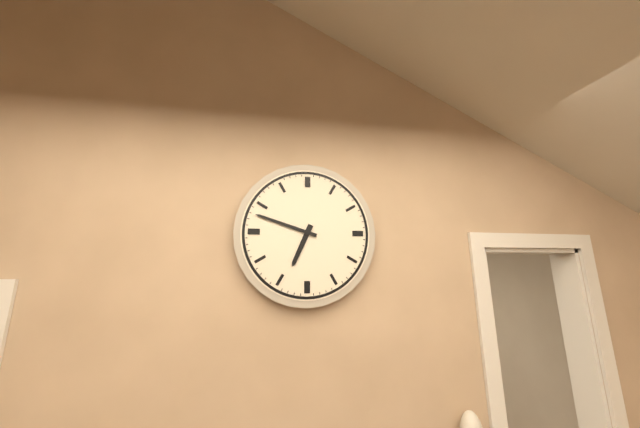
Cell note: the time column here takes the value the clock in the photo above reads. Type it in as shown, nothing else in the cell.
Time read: 6:48
